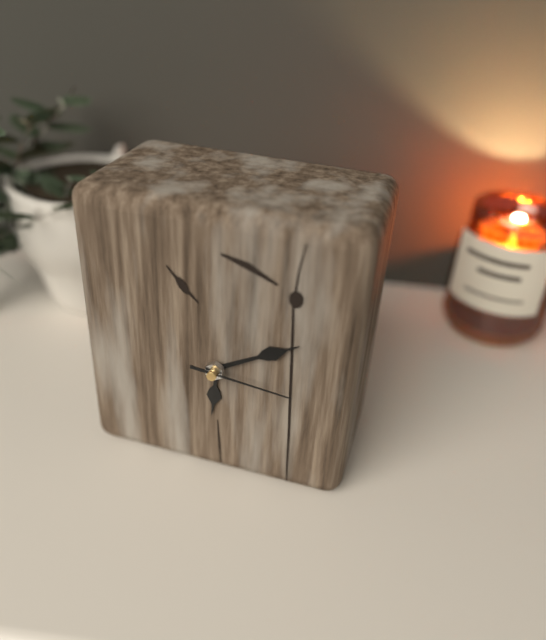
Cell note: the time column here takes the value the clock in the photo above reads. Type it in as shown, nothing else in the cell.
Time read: 6:10:16
